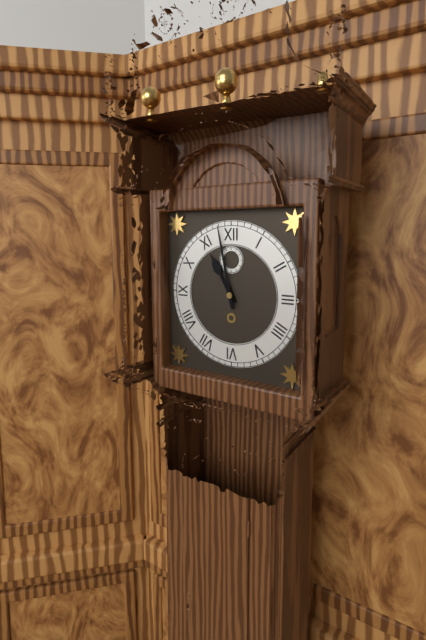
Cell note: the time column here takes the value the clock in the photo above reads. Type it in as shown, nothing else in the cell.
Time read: 10:58
